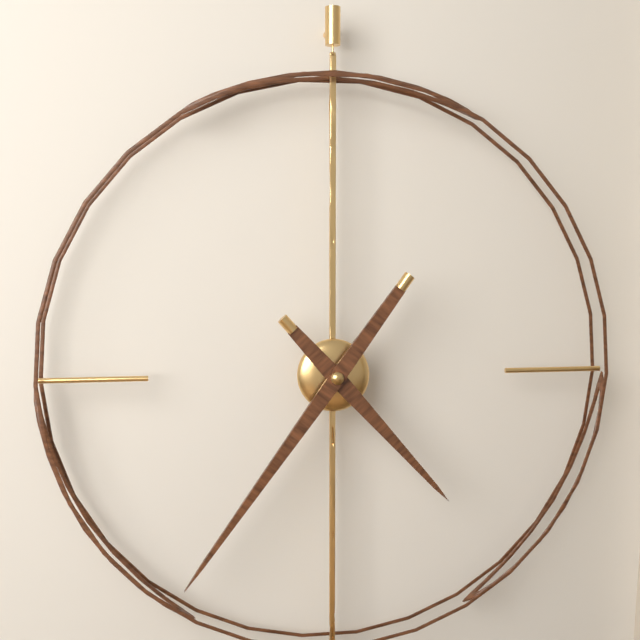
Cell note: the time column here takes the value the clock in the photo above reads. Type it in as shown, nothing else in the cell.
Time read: 4:36
